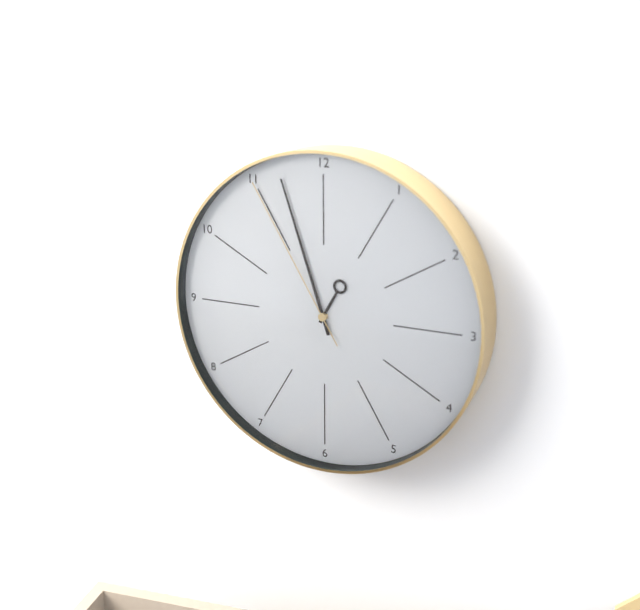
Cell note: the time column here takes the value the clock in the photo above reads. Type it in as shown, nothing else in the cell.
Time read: 12:57:55
